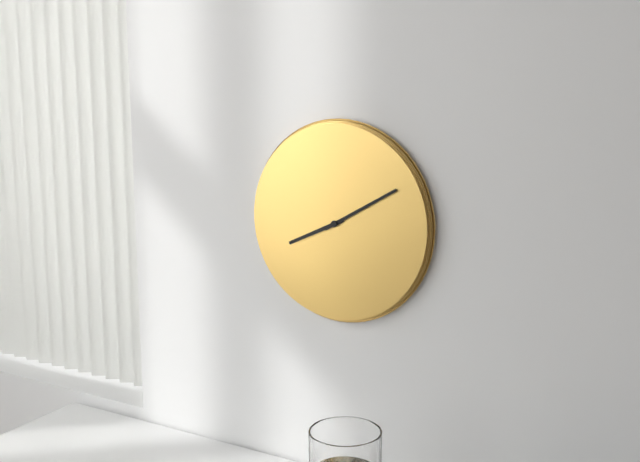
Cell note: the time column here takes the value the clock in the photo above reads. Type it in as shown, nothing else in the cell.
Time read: 8:10
